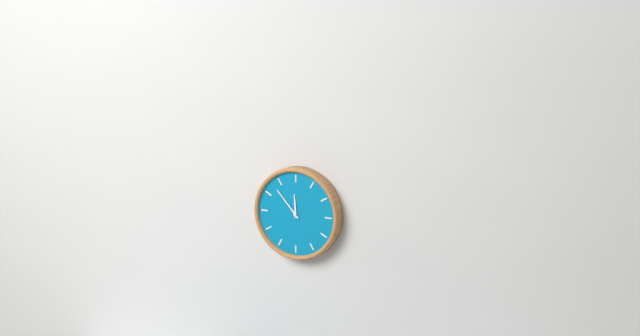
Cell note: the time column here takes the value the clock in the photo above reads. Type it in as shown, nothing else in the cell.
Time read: 11:53
